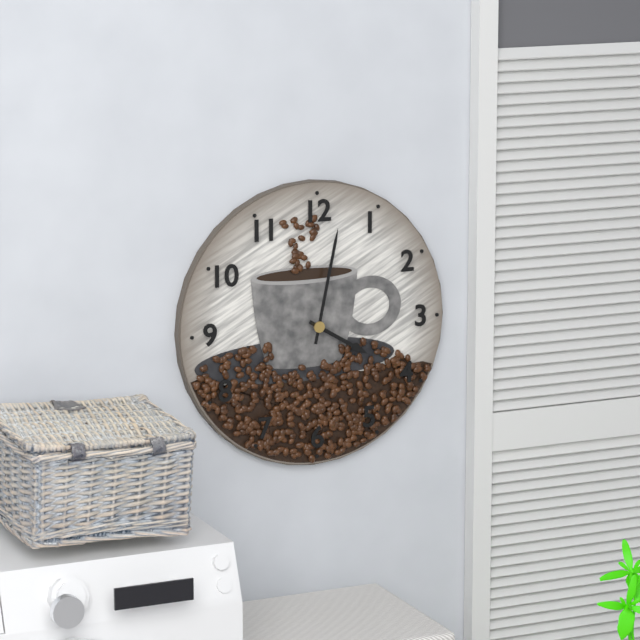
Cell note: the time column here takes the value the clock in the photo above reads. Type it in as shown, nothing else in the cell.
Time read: 4:02
